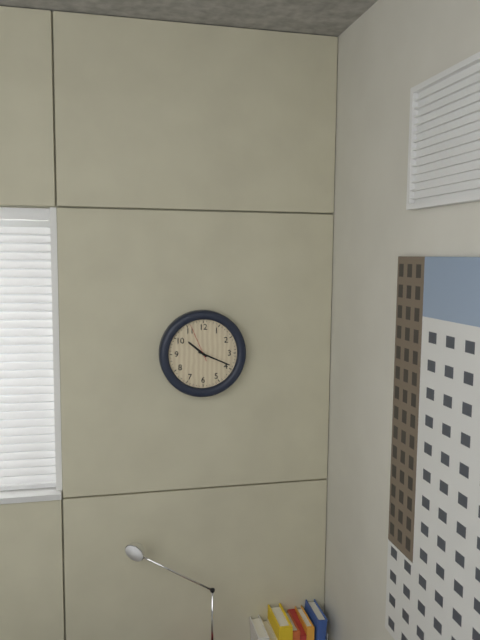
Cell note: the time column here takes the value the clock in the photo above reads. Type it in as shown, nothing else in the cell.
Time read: 10:19
